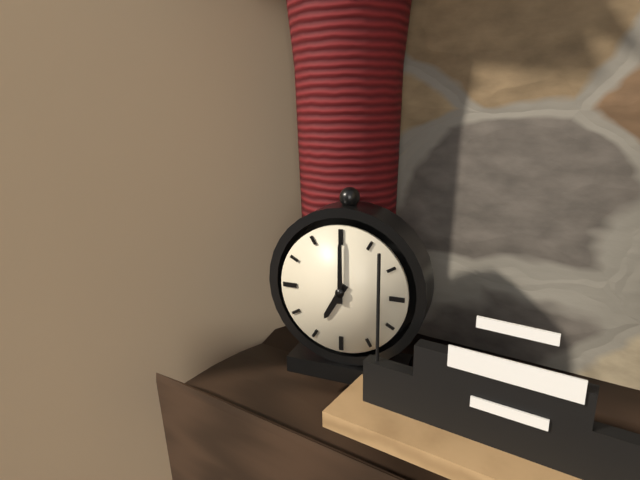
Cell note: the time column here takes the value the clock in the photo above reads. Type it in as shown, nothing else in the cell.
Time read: 7:00
